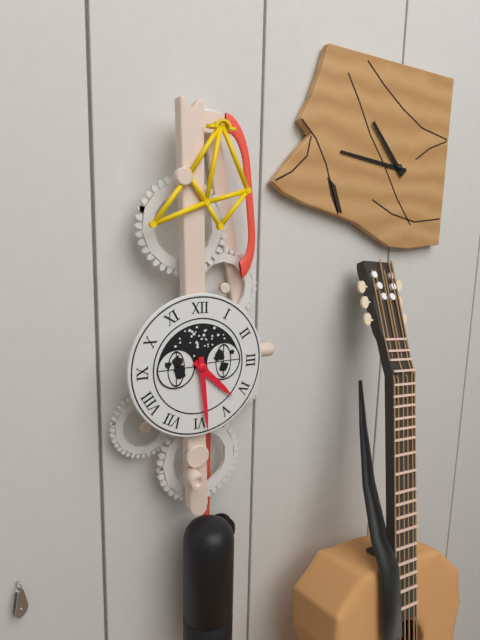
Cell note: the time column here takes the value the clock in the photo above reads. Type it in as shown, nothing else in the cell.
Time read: 4:29
